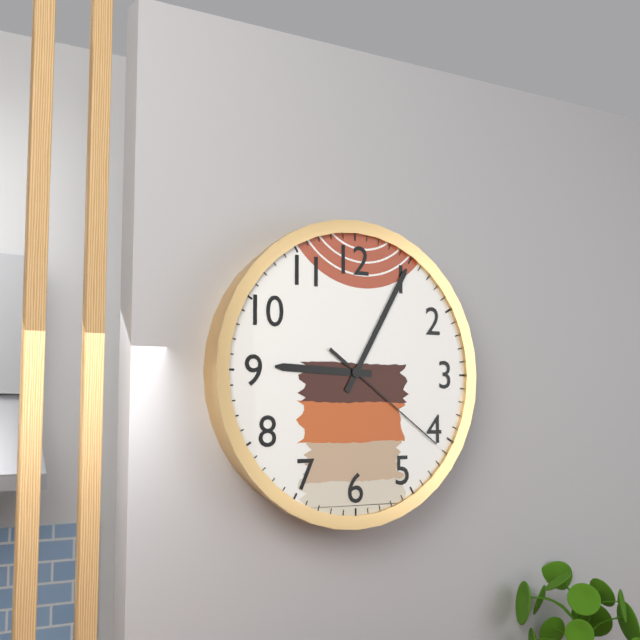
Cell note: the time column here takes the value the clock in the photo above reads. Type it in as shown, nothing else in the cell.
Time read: 9:05:21
